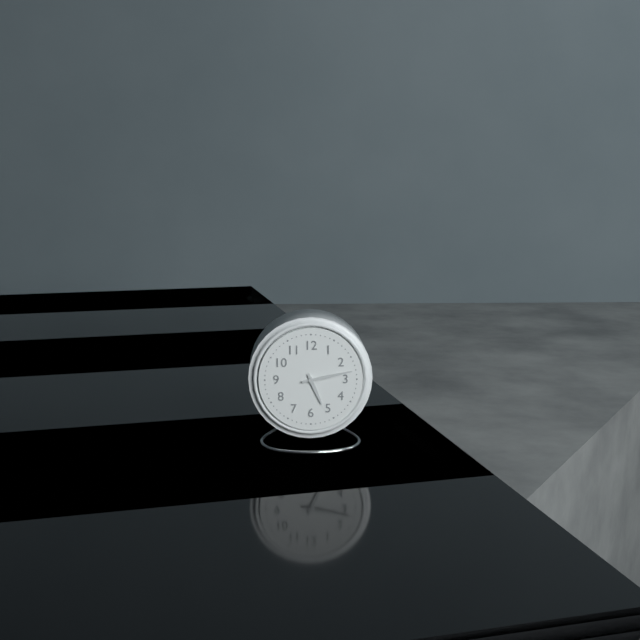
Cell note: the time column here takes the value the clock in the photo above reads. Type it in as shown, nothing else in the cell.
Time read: 5:13
